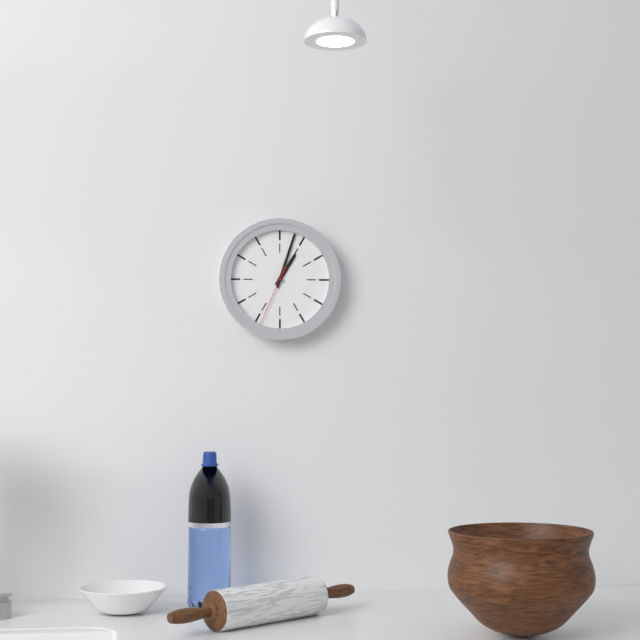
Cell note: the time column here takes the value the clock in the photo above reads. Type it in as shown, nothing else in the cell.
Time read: 1:03:34
